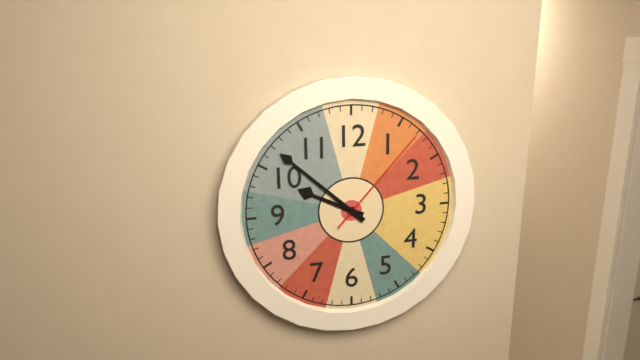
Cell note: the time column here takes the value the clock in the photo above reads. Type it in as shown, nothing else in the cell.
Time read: 9:52:07
